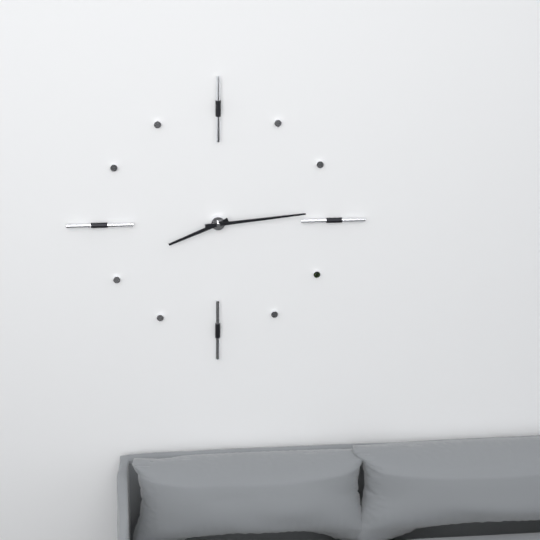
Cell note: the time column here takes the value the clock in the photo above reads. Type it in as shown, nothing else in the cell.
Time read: 8:14
